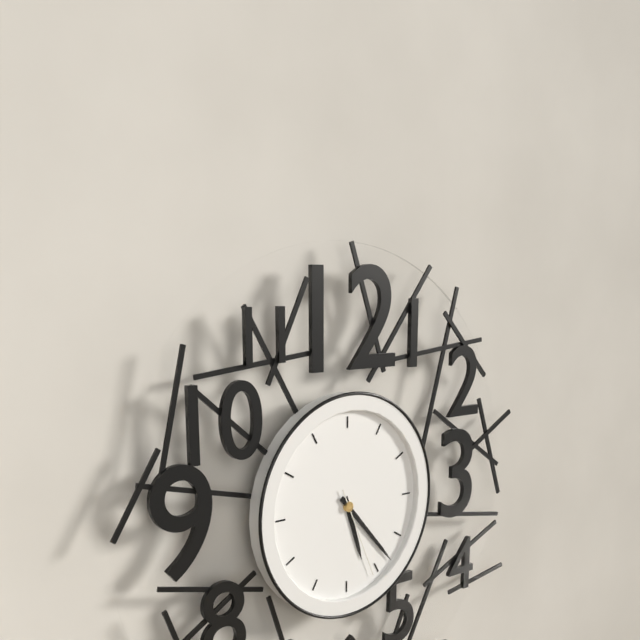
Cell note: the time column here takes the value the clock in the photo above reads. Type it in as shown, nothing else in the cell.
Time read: 5:23:26
